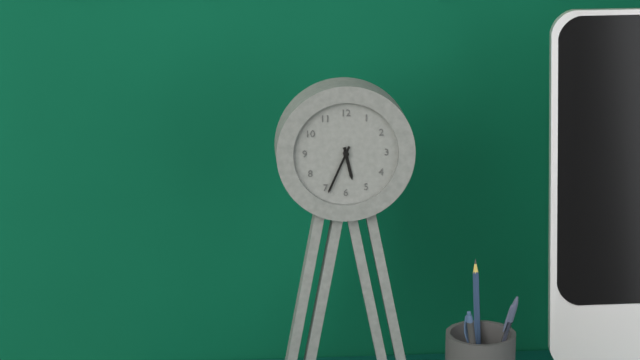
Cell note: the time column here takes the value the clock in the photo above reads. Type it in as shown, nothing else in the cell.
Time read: 5:34
